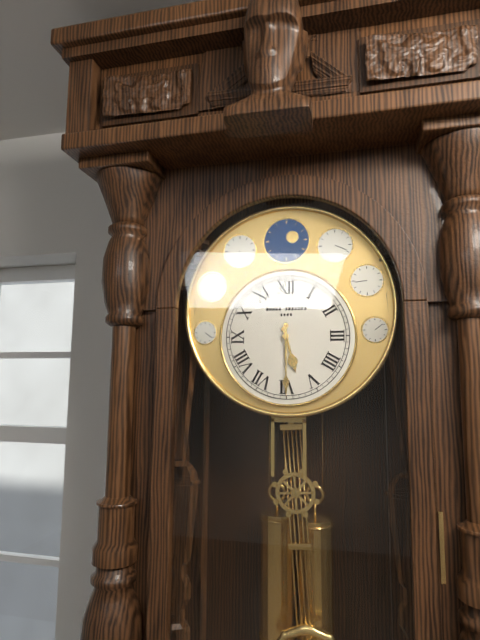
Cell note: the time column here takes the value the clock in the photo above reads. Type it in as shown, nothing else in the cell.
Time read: 5:30
